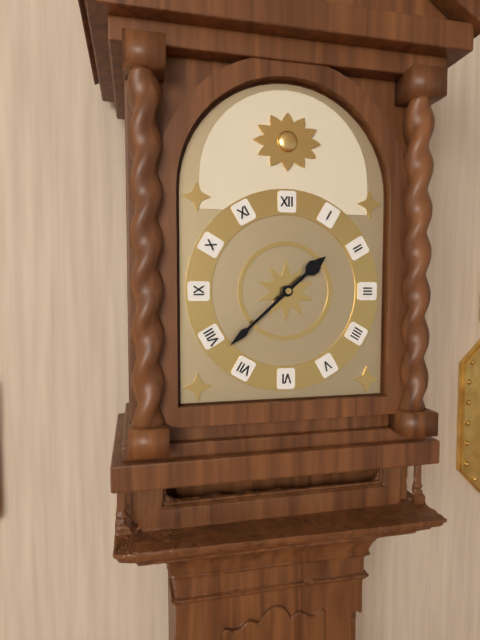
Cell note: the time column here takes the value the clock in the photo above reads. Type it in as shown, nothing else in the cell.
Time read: 1:38
